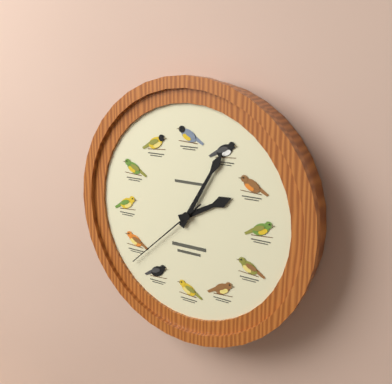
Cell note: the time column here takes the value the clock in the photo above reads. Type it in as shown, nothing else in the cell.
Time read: 2:05:38
